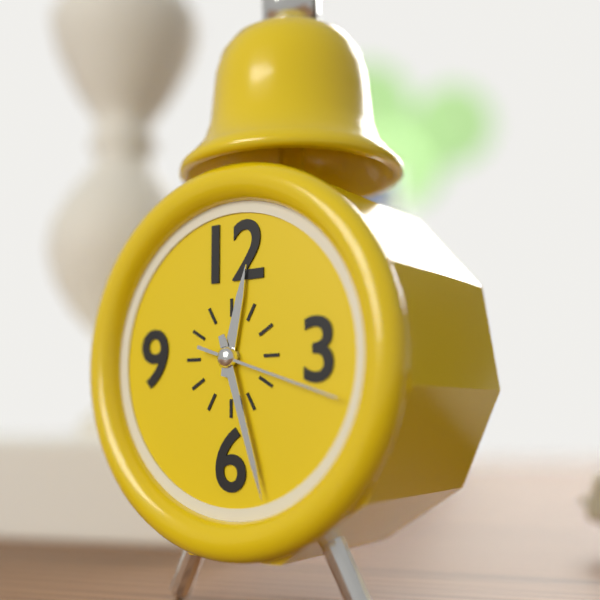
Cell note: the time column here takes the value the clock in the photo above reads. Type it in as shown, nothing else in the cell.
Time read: 12:27:18
